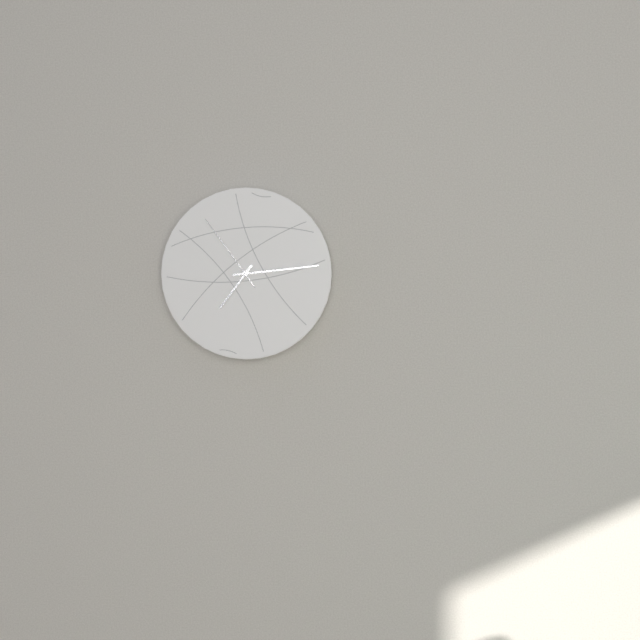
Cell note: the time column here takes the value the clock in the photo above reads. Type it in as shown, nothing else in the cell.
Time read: 7:14:54
